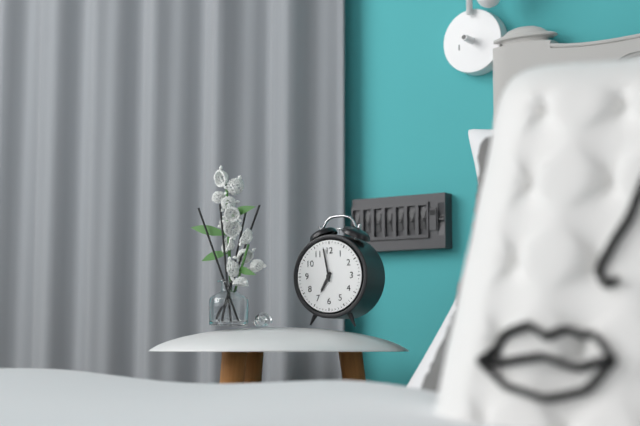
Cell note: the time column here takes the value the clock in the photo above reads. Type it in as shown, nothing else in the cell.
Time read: 6:58
